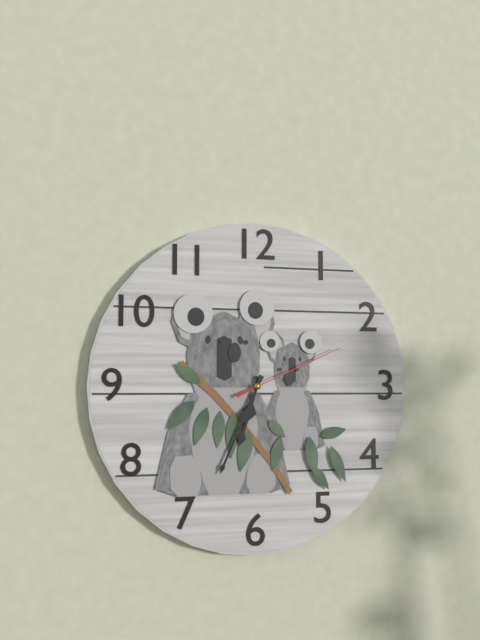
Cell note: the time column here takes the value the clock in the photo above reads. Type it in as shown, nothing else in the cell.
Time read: 6:34:11
